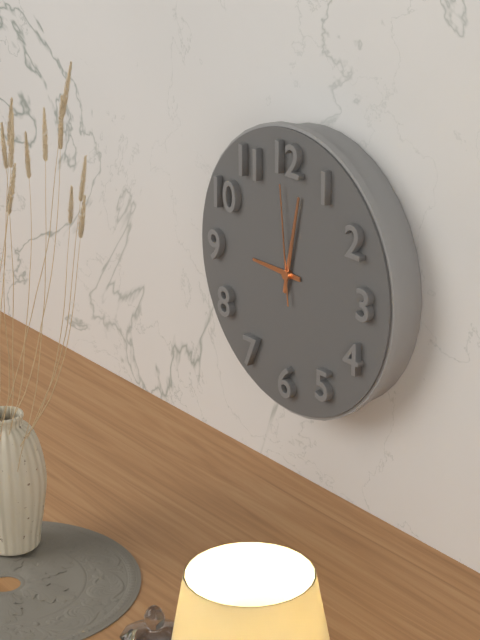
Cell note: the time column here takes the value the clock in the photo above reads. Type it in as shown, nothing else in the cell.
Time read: 9:02:59
